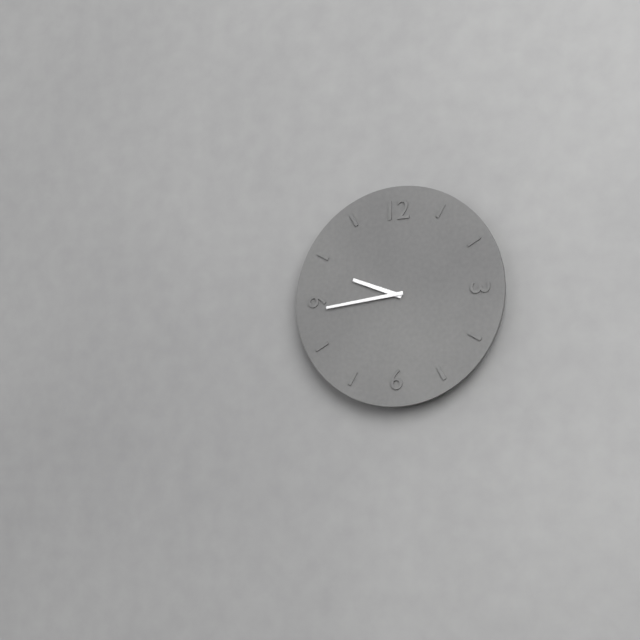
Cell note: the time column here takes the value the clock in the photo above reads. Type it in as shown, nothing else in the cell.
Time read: 9:44
